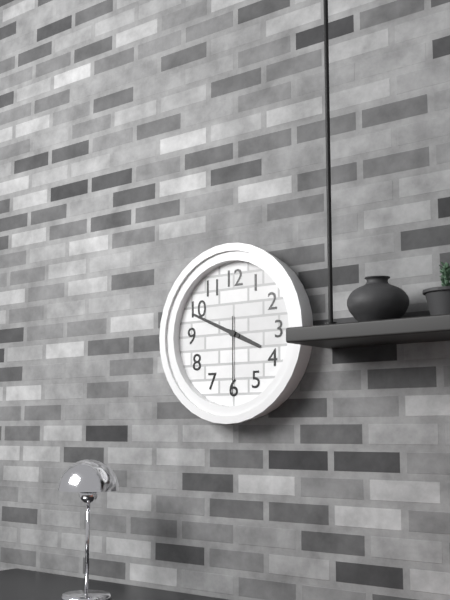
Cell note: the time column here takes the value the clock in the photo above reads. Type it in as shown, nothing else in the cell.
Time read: 3:49:30
